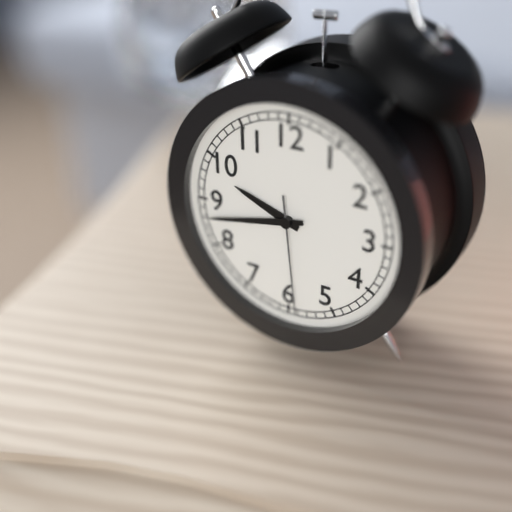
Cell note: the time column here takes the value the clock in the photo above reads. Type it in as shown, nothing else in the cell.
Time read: 9:43:29
